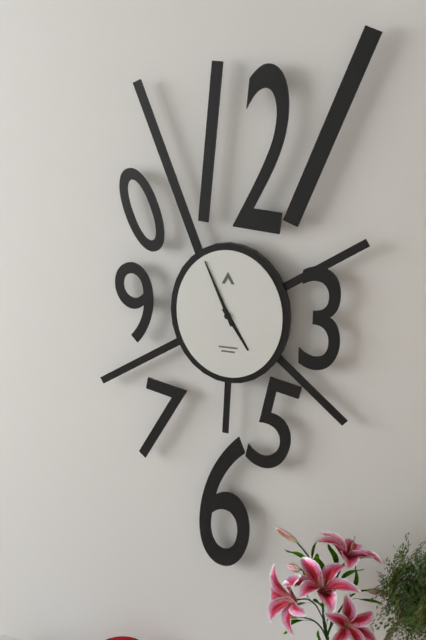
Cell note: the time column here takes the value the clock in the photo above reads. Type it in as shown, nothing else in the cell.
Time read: 4:56
